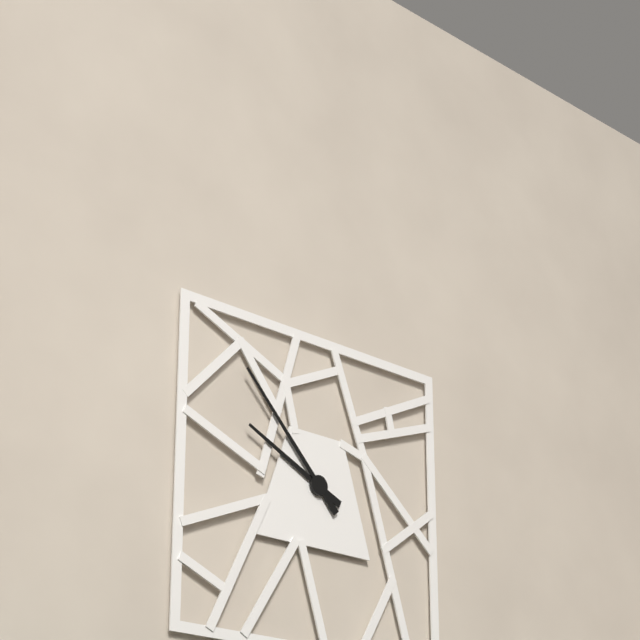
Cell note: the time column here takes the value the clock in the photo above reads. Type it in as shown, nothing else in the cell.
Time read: 9:53
